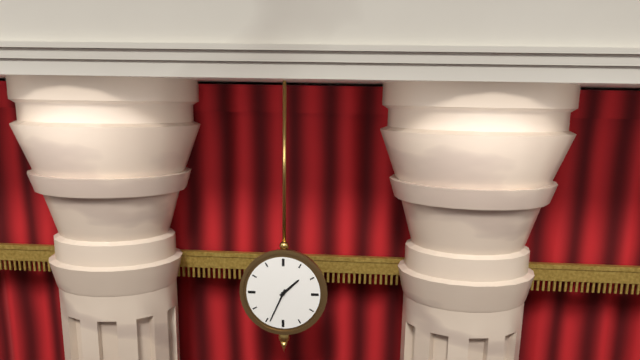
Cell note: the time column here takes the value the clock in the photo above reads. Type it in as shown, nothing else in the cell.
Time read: 1:34
